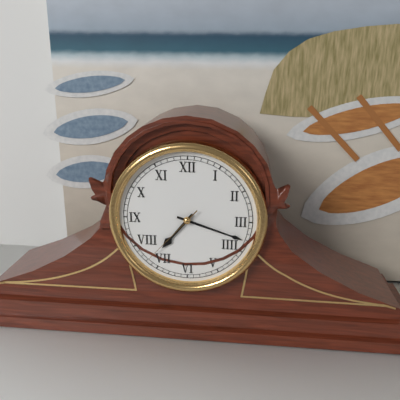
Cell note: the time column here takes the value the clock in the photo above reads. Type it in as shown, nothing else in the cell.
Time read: 7:18:37
